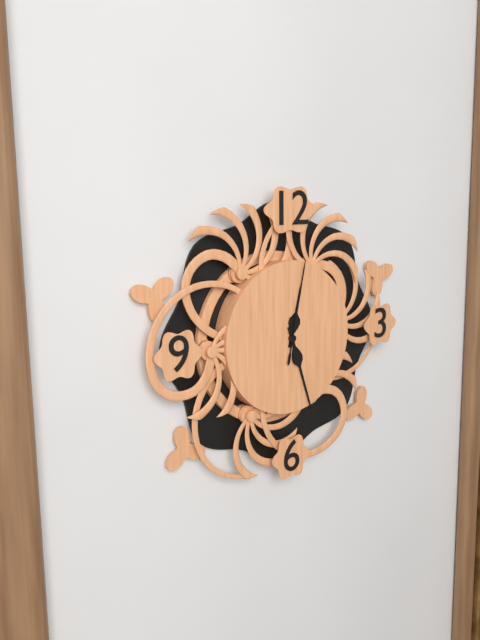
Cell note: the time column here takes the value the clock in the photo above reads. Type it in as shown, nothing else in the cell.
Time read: 12:27:02
